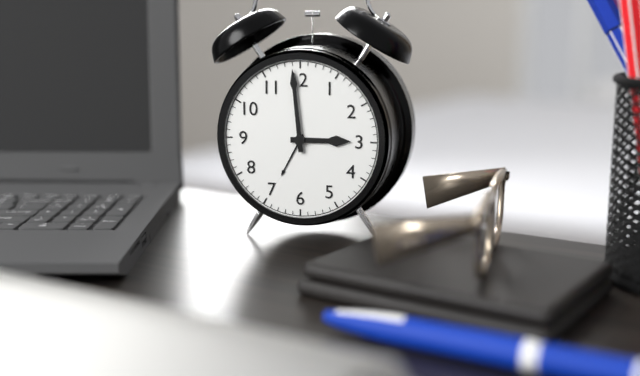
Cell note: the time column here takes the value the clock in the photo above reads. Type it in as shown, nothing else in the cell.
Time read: 2:59
